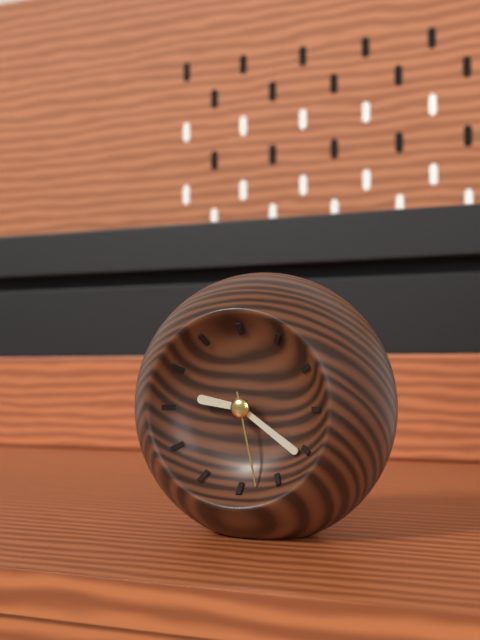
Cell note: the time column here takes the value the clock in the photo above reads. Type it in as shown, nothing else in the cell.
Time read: 9:21:28
